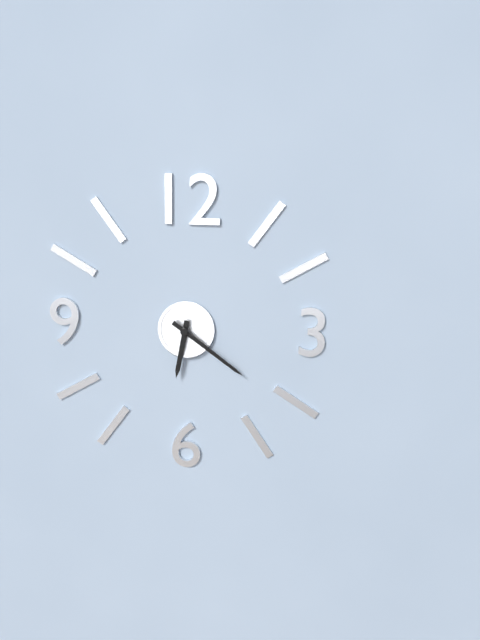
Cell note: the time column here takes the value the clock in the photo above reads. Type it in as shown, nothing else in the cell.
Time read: 6:21
